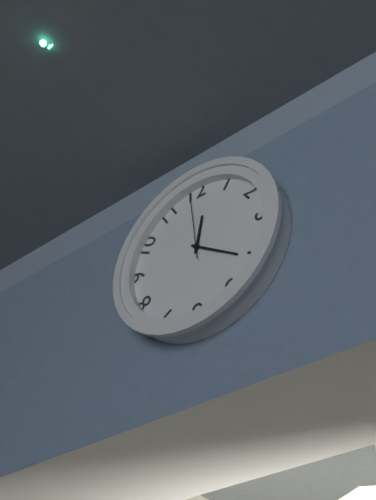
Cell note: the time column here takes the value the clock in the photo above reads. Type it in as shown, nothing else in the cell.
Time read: 12:21:59
